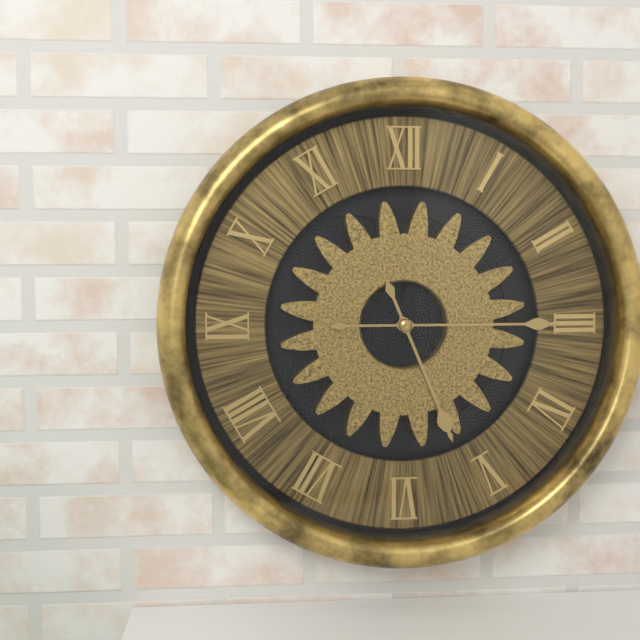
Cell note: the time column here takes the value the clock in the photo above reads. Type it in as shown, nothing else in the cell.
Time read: 5:15
